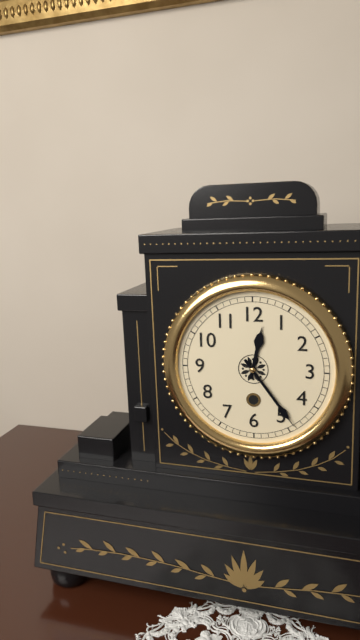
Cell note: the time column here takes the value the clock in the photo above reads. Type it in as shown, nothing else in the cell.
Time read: 12:24
